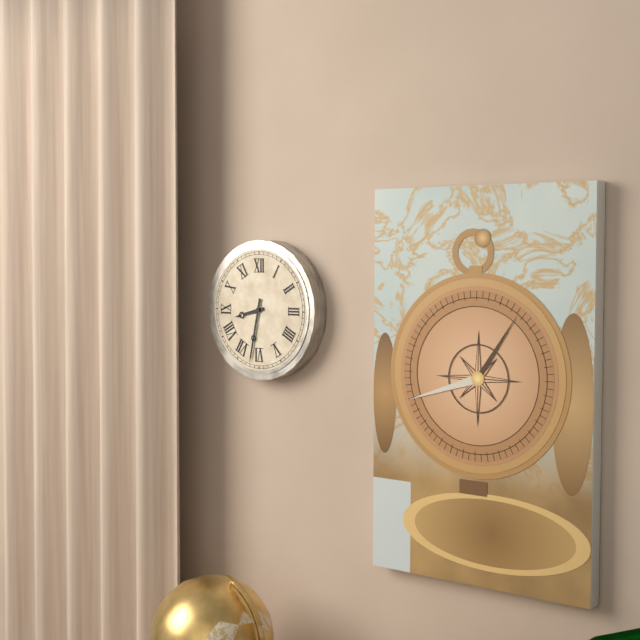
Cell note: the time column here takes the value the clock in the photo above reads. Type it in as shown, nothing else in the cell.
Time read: 8:32
